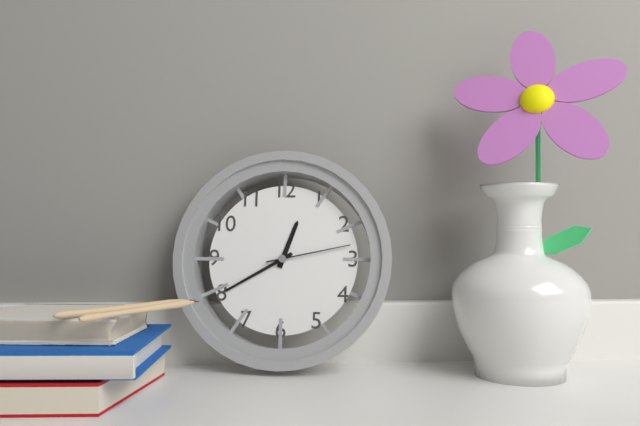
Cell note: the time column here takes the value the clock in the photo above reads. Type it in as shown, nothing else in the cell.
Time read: 12:40:13
